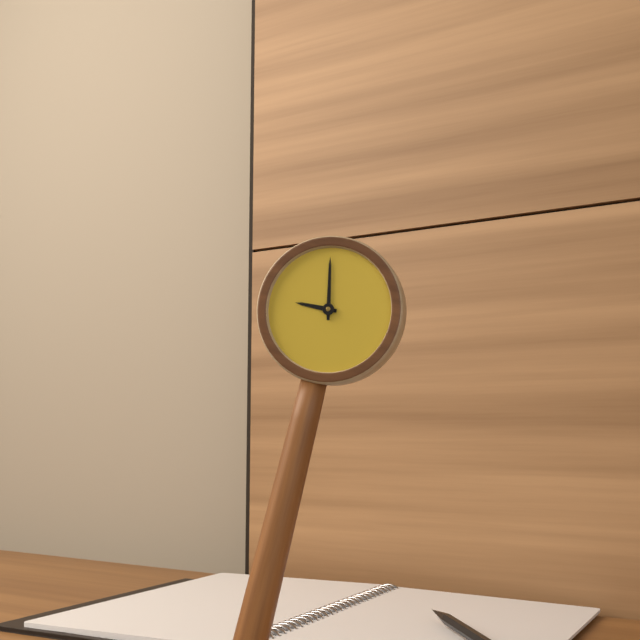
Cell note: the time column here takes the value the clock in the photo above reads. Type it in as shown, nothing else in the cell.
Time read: 8:58
